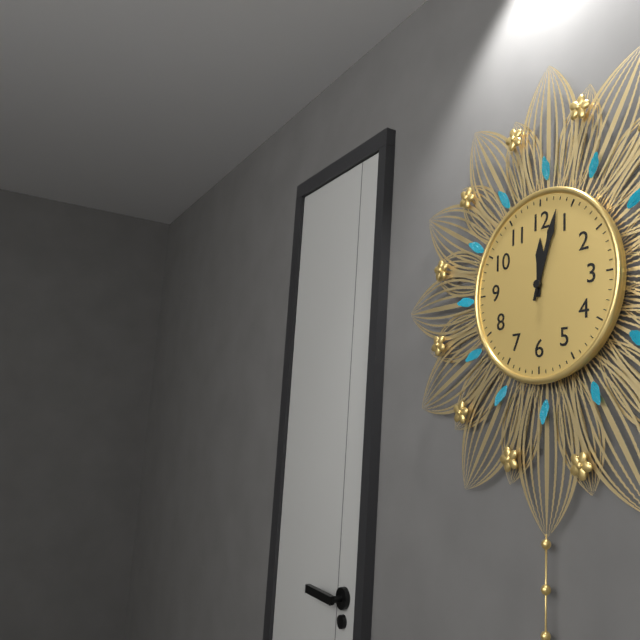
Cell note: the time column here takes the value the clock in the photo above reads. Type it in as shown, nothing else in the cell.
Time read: 12:03
